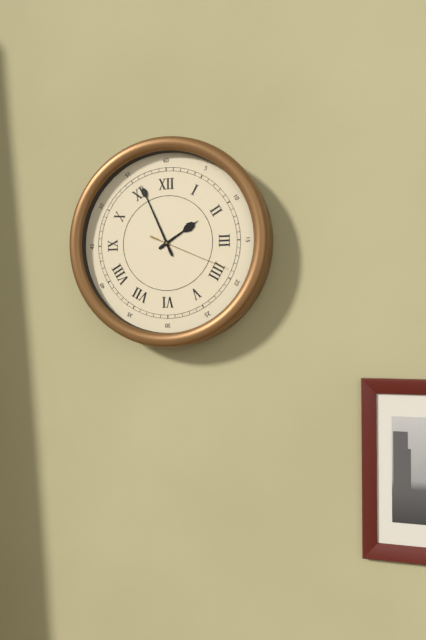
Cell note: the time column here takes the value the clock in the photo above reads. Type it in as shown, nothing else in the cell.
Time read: 1:56:19
